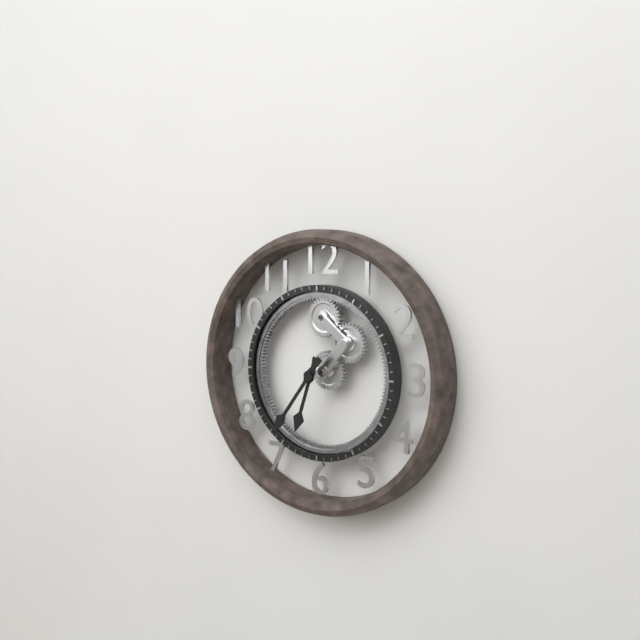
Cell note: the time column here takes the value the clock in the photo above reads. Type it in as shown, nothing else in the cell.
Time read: 6:36
